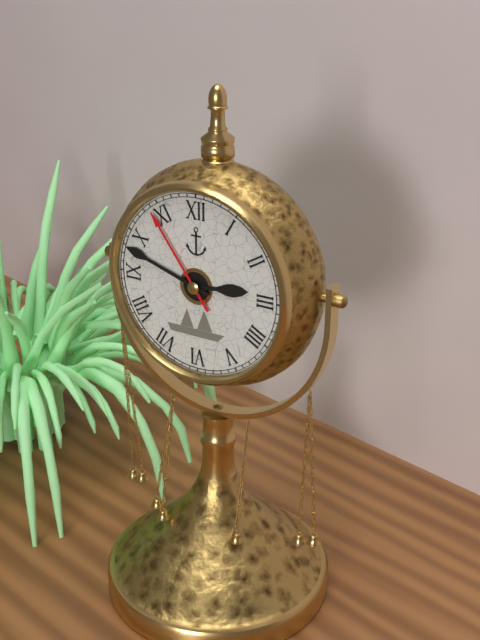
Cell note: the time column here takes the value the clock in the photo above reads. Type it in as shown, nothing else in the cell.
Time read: 2:48:54
